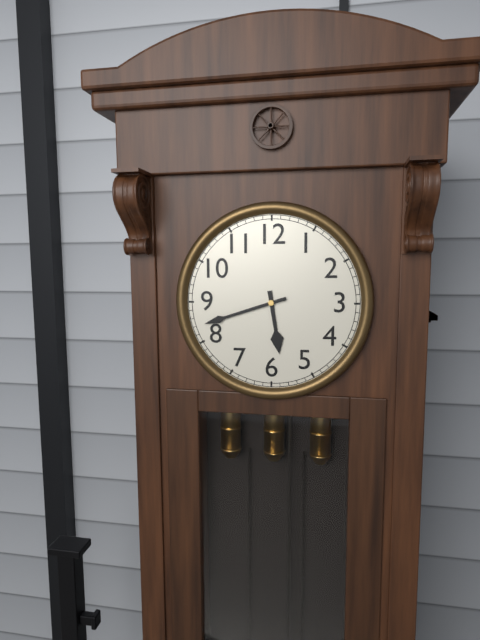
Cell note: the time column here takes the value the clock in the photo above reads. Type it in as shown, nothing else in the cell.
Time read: 5:42
